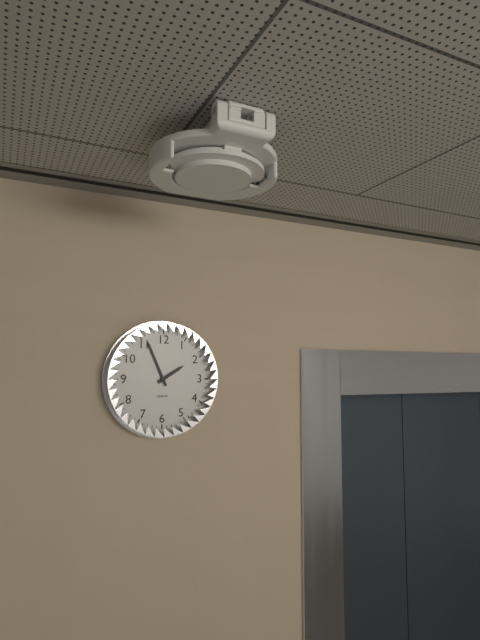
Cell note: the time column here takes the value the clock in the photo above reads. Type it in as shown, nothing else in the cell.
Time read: 1:56
